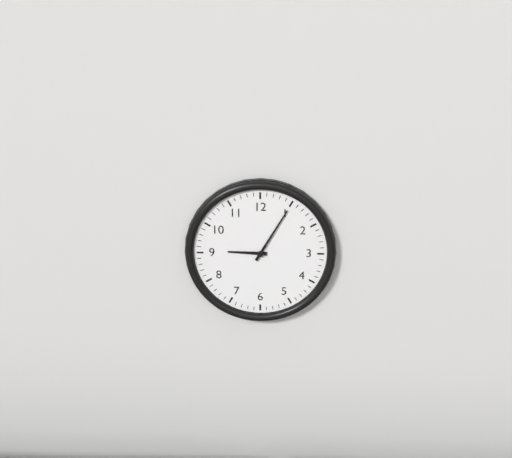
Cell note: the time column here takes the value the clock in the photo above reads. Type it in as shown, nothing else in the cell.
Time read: 9:05
